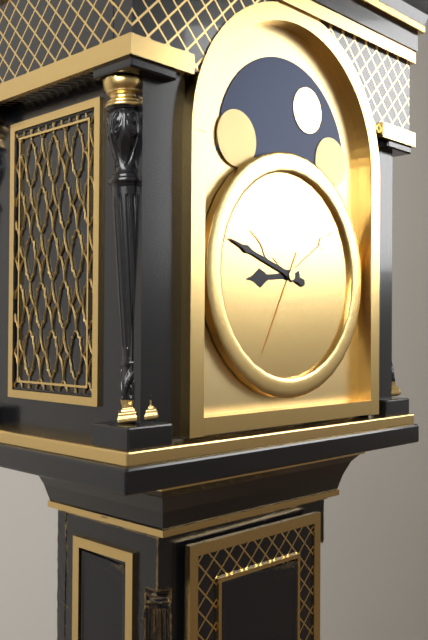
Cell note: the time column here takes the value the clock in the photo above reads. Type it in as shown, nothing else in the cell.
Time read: 8:48
